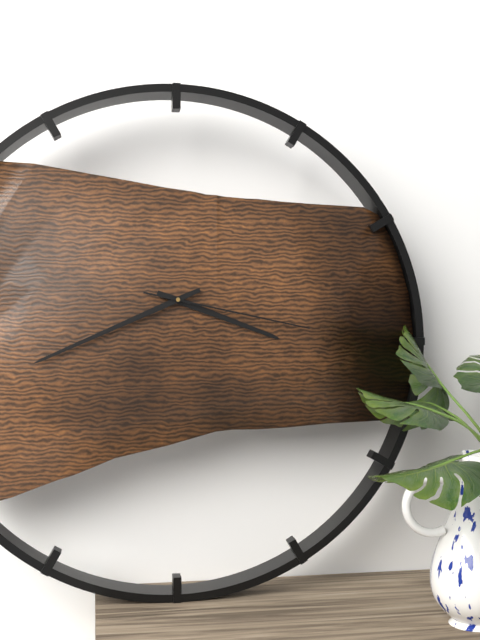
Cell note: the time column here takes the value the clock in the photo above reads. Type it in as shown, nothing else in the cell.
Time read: 3:41:17
